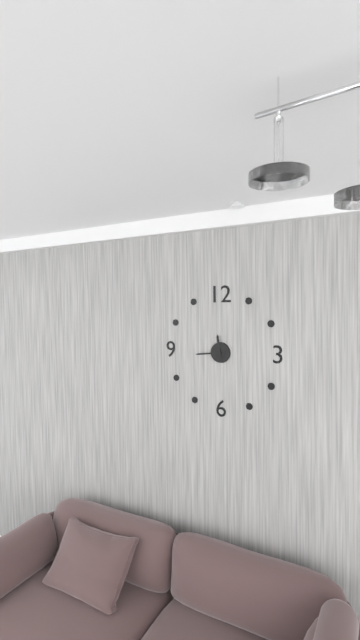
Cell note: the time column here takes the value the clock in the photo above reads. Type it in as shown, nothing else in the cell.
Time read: 11:44
